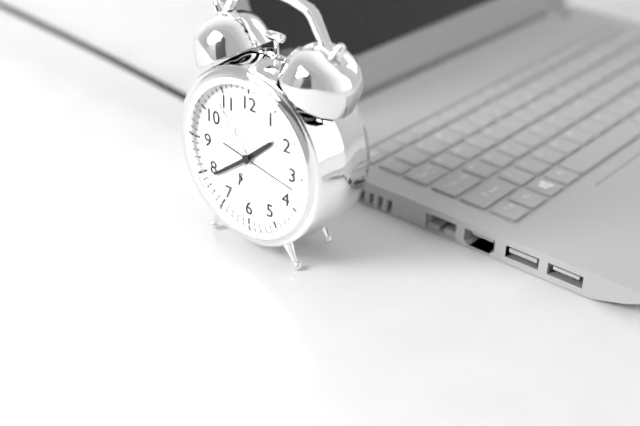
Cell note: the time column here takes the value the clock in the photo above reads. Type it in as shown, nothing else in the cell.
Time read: 1:39:17
